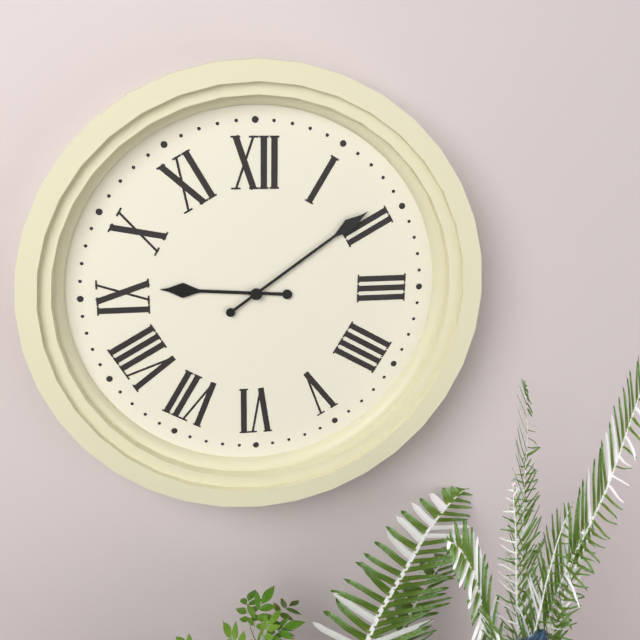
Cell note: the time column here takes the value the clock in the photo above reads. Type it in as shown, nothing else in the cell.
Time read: 9:09
